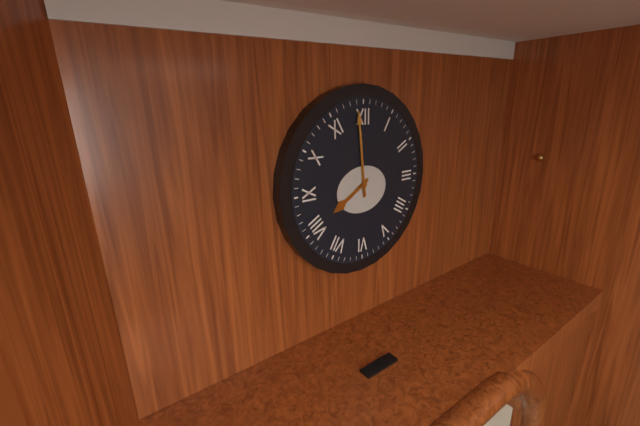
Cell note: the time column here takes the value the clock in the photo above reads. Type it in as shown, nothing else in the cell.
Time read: 7:59
